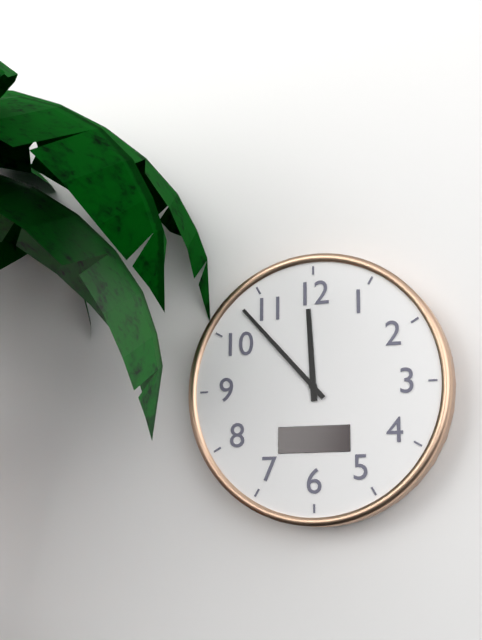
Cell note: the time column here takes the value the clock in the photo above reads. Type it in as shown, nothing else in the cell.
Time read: 11:53
